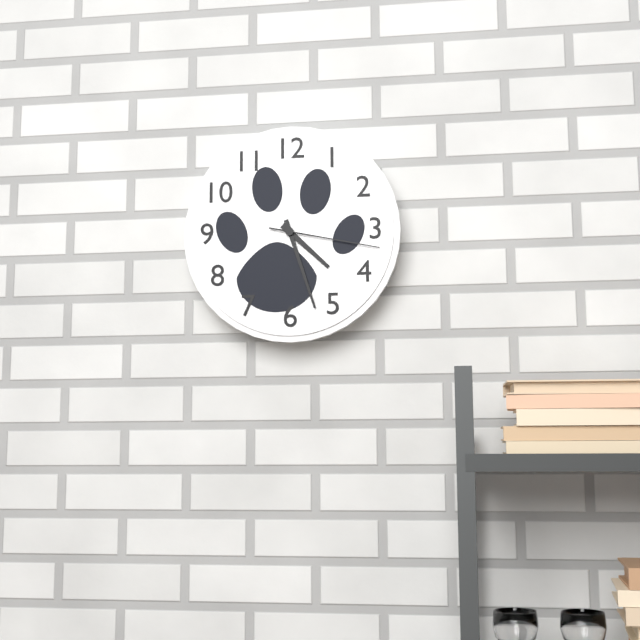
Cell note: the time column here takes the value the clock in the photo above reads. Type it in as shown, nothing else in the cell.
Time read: 4:27:17
